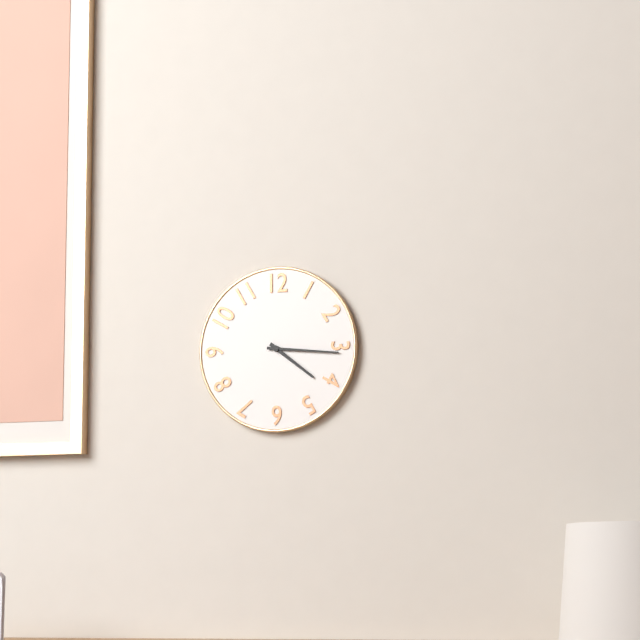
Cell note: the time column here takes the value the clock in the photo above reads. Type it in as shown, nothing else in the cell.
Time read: 4:16
